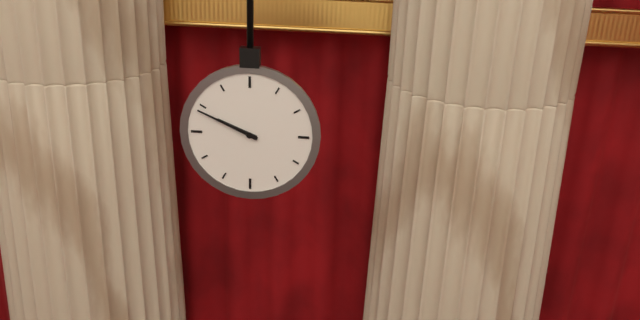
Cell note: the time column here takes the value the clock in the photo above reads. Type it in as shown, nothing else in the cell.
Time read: 9:49
